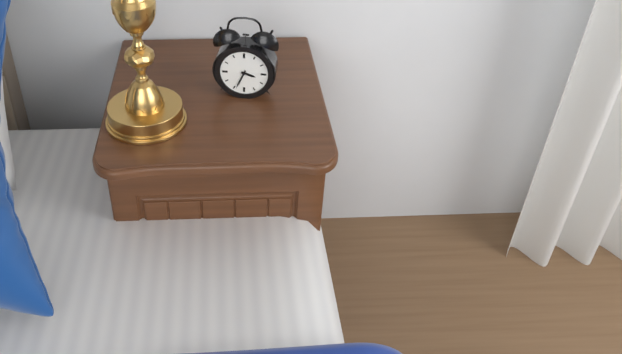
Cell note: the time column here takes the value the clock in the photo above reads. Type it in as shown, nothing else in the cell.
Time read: 3:34
